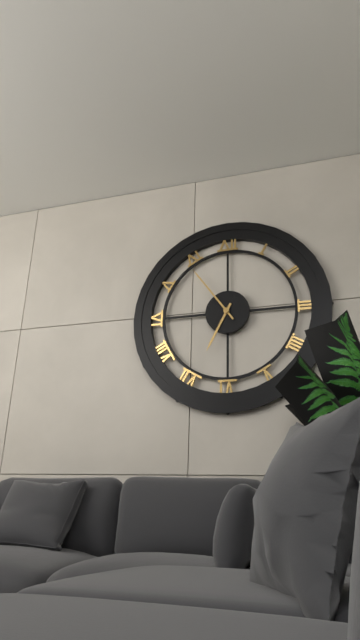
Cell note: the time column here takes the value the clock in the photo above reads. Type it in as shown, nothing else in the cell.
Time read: 6:54
